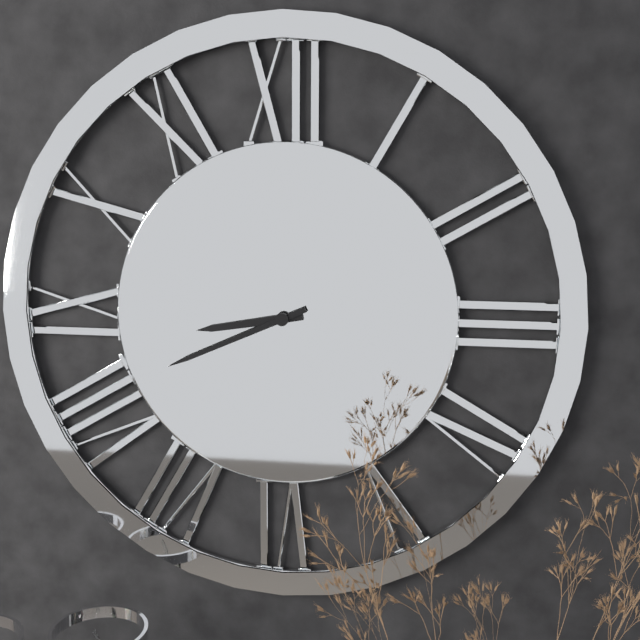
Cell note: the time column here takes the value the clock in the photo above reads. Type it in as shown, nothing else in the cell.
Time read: 8:41
